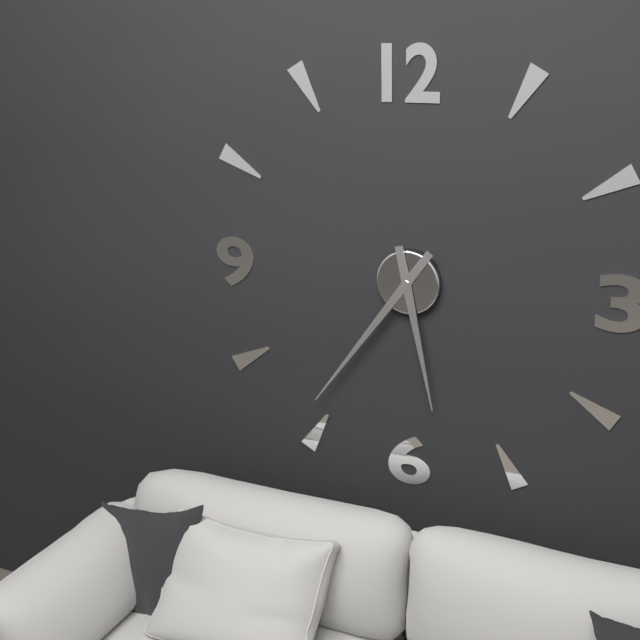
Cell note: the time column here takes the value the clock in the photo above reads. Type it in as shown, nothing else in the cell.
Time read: 5:36
